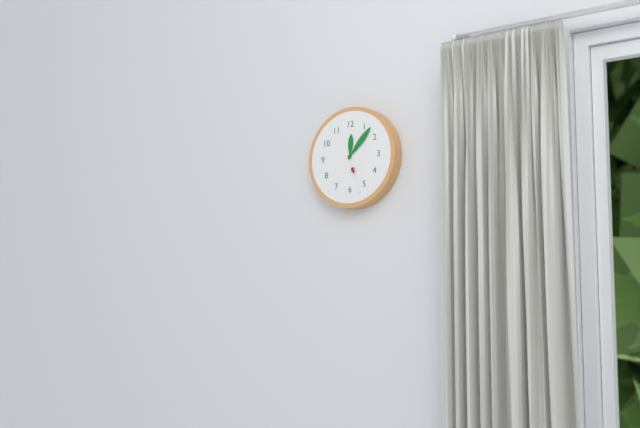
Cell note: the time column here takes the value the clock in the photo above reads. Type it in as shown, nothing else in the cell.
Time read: 12:07
